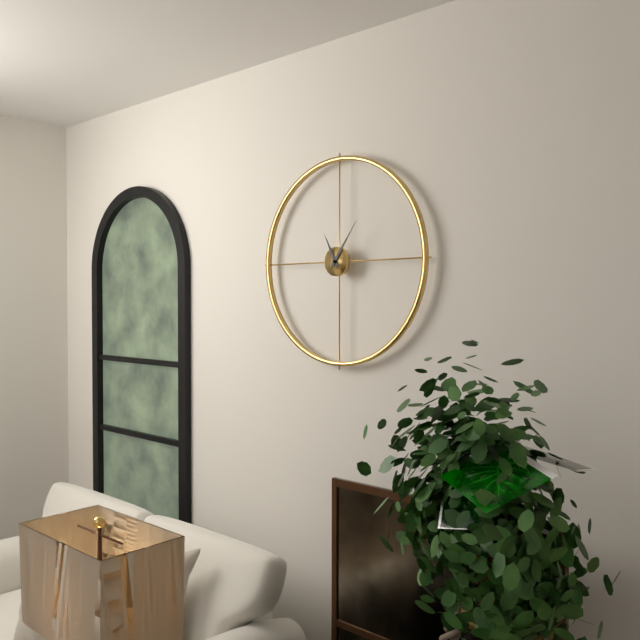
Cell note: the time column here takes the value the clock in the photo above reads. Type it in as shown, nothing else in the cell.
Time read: 11:06
